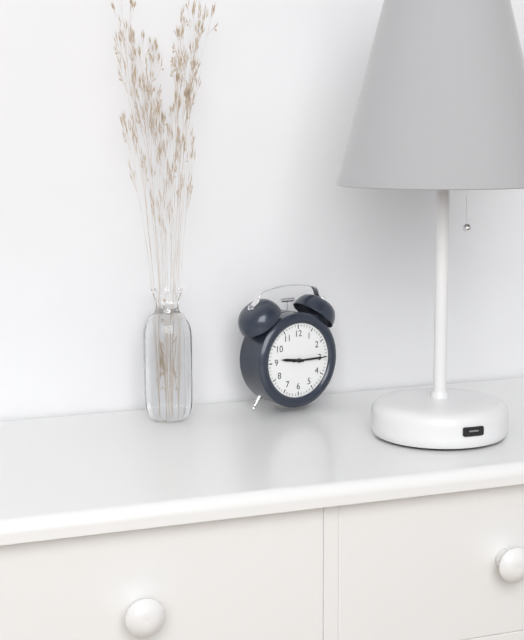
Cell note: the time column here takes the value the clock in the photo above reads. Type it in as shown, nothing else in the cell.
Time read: 9:15
